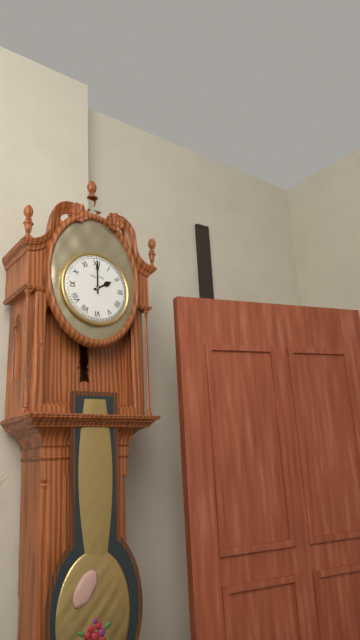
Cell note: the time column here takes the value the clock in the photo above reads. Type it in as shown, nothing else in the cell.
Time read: 2:00
